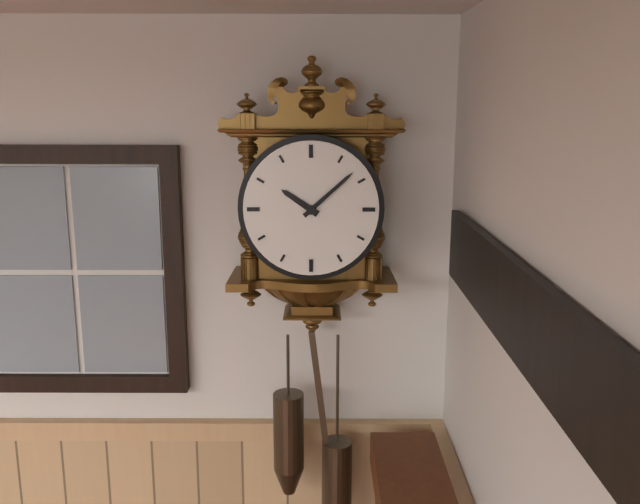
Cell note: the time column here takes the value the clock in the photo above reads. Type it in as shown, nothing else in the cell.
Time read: 10:08
